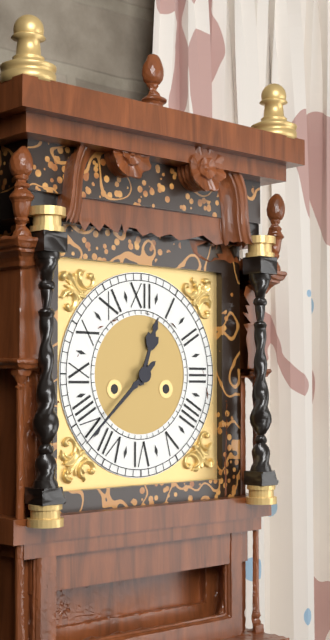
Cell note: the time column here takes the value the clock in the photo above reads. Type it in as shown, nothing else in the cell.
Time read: 12:38
